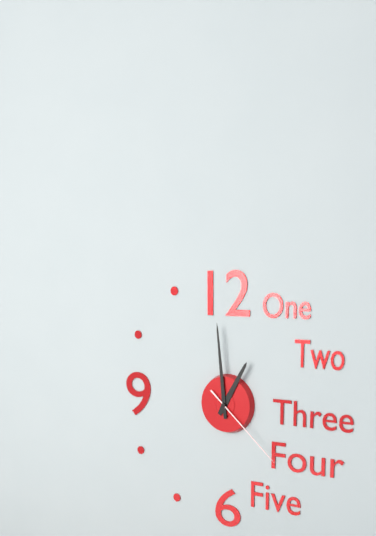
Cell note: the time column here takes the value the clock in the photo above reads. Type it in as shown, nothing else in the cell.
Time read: 12:59:22
